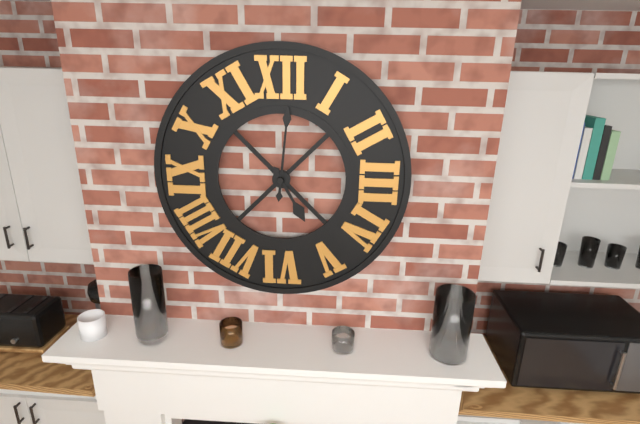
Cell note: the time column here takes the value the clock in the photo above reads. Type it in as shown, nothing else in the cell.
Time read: 5:01
